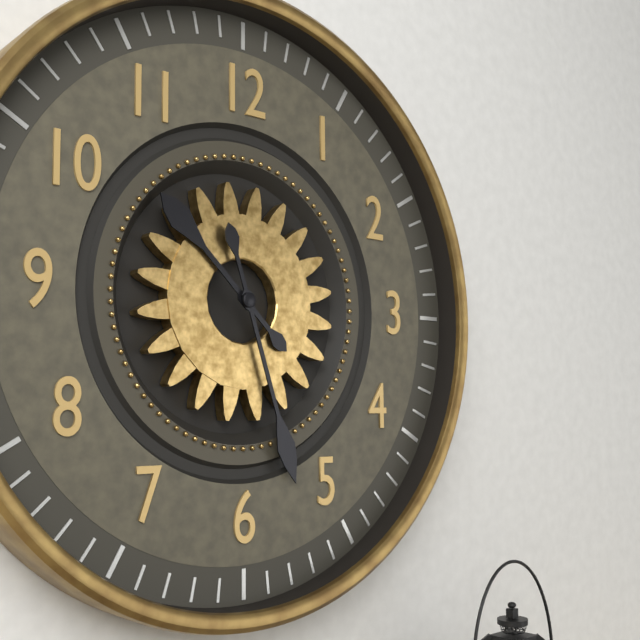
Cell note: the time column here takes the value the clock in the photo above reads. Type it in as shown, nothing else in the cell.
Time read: 10:27
